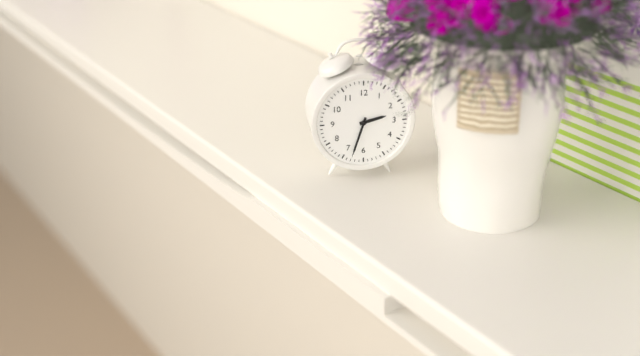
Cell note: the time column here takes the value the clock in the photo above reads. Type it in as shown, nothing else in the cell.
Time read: 2:33
